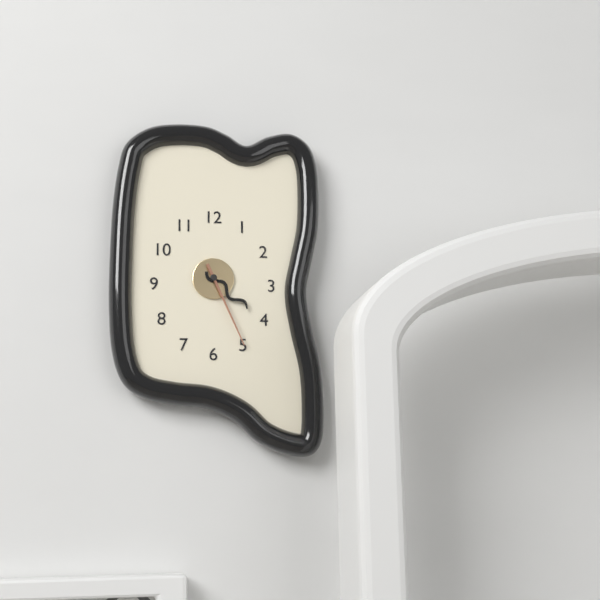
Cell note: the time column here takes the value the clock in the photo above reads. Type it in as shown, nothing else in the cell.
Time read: 4:26
